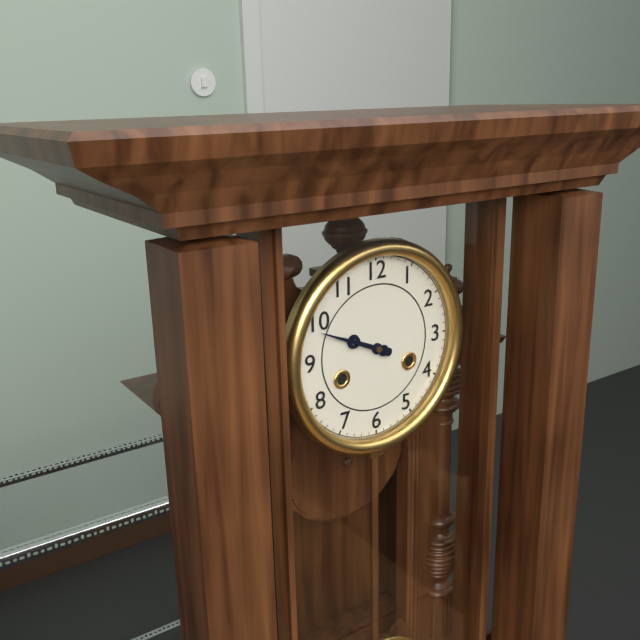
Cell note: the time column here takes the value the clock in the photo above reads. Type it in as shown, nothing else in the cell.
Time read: 9:49
